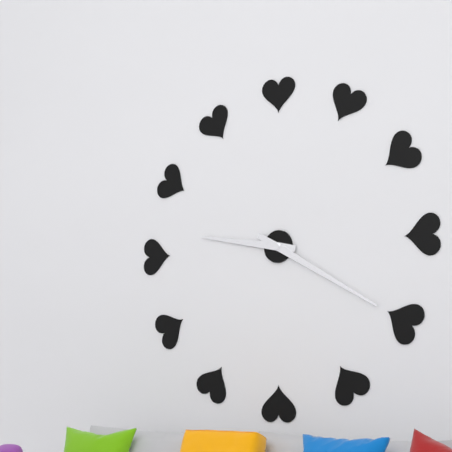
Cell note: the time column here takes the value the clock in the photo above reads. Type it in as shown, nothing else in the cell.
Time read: 9:20
